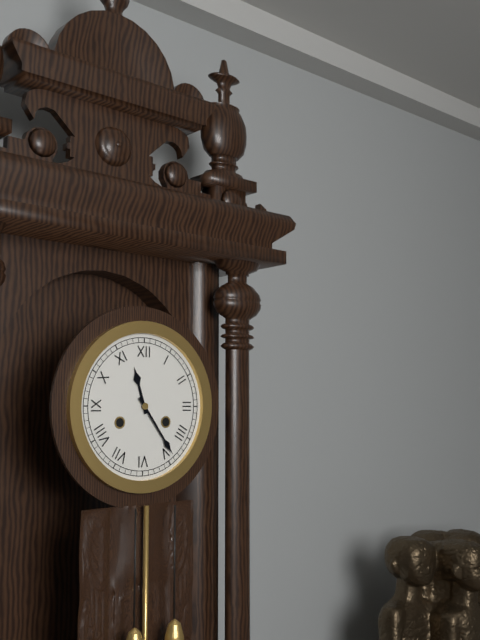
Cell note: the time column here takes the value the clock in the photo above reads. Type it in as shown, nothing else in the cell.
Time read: 11:24
